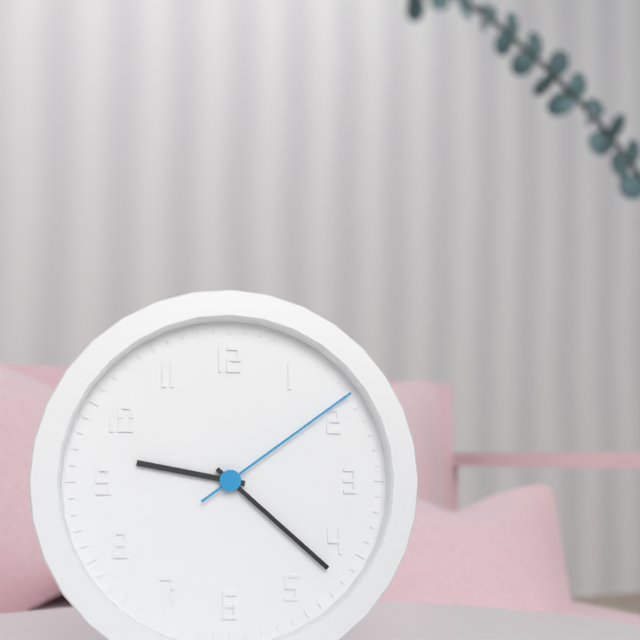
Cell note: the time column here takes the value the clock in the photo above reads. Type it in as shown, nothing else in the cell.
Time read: 9:22:09
